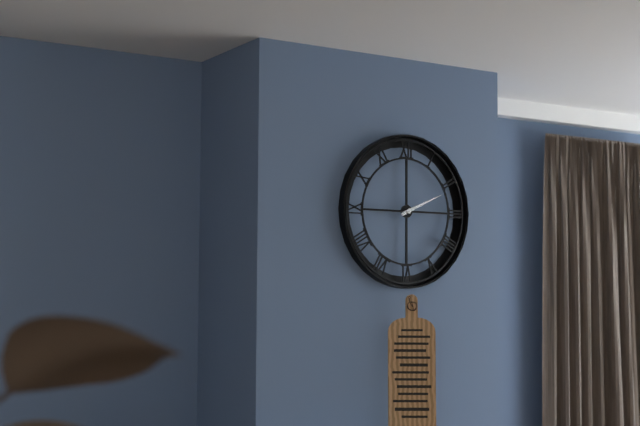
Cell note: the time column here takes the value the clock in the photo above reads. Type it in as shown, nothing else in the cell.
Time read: 2:11
